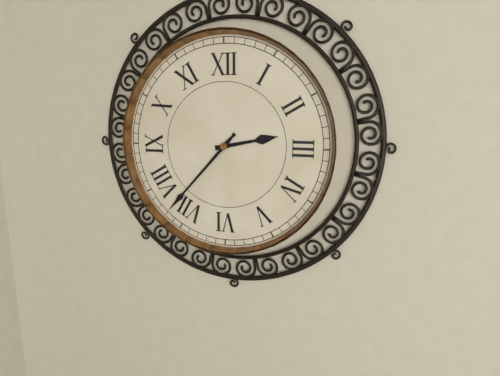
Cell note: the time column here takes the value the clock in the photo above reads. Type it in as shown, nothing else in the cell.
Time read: 2:37
